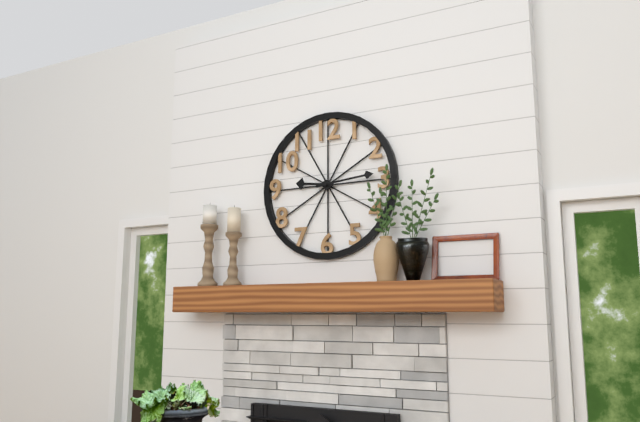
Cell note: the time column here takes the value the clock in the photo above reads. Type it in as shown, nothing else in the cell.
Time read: 9:14
